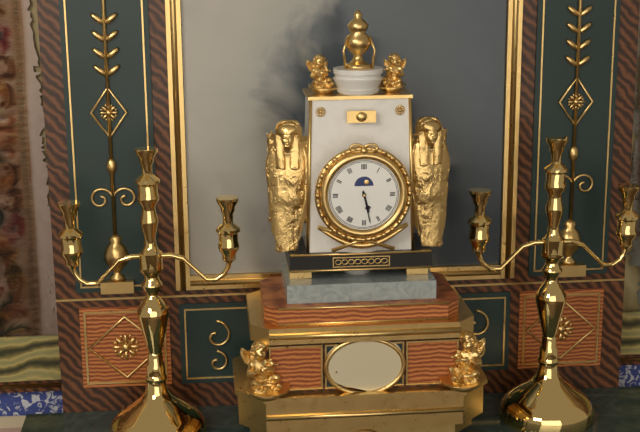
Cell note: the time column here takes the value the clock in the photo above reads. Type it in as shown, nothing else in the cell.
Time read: 5:28
